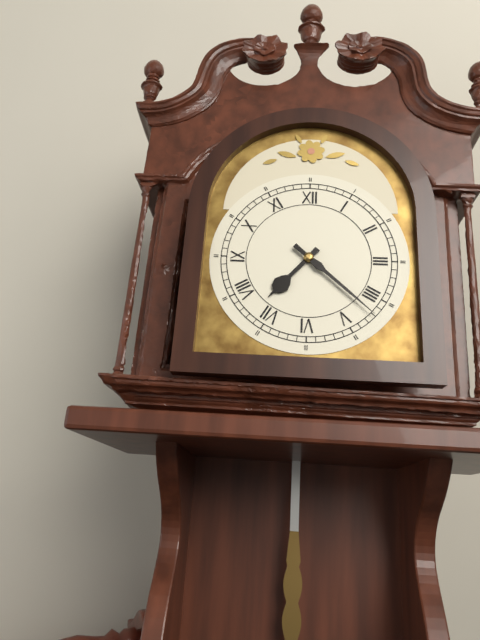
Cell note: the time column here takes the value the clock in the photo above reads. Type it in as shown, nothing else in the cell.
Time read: 7:22
